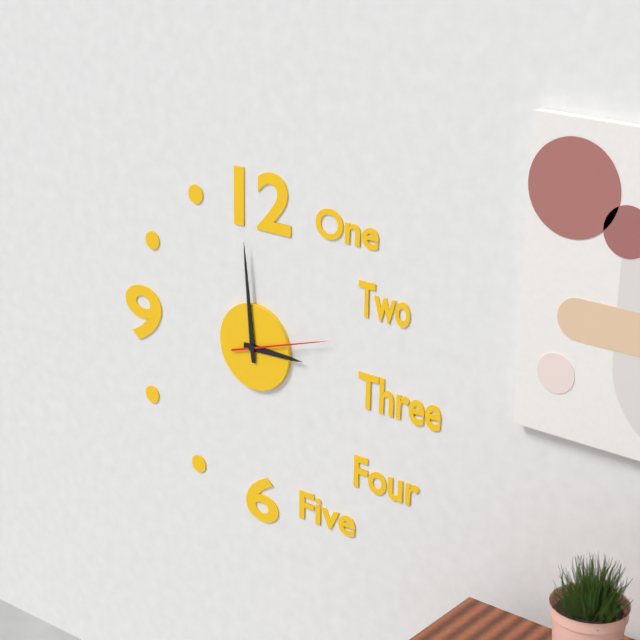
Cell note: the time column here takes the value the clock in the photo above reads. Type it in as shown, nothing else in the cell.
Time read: 2:59:12
